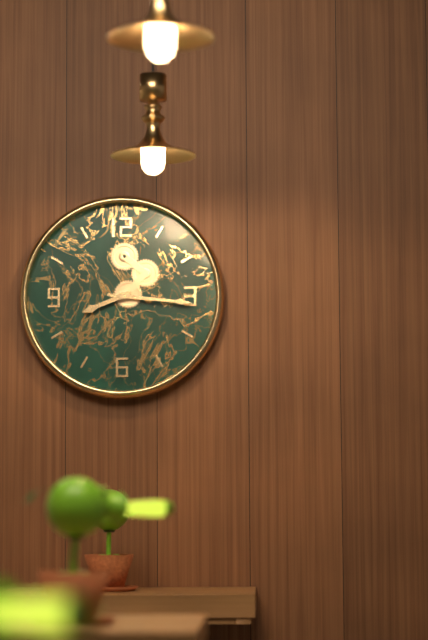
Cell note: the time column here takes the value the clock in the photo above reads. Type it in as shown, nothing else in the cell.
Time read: 8:16
